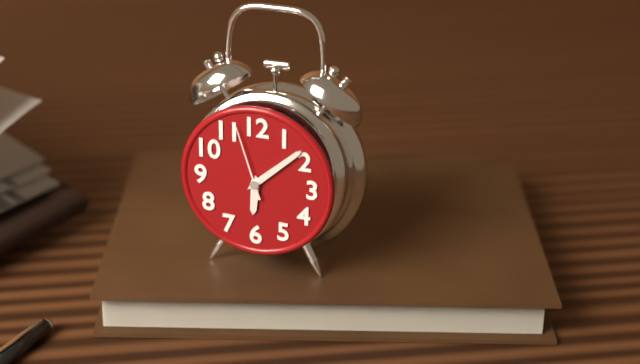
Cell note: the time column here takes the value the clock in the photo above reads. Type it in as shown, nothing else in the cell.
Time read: 6:08:57
